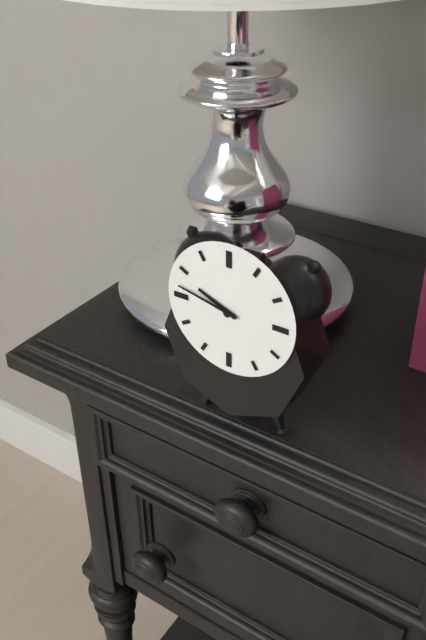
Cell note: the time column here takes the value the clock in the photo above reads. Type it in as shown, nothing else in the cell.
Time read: 9:47
